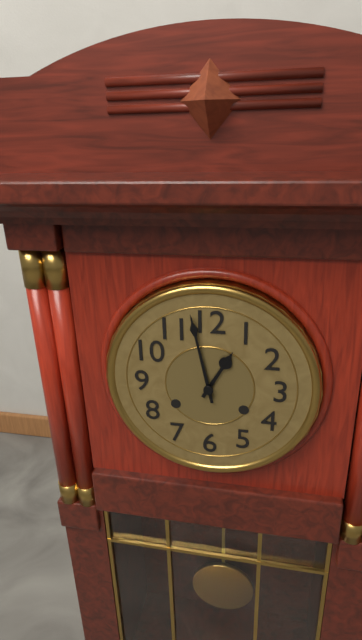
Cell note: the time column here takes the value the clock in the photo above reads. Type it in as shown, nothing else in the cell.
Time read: 12:58
